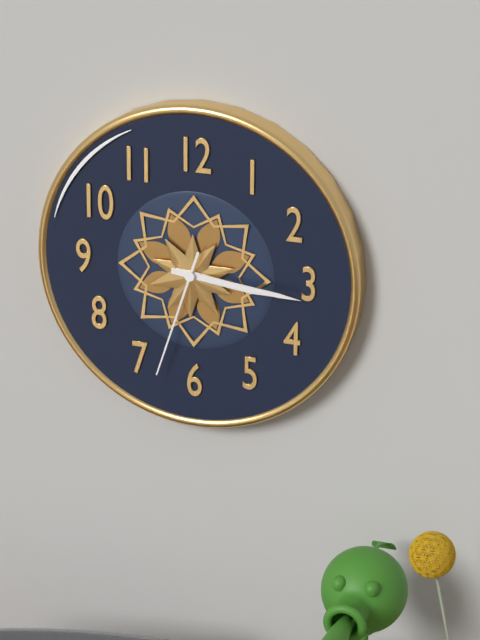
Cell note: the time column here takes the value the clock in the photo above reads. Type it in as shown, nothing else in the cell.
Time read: 3:16:33
